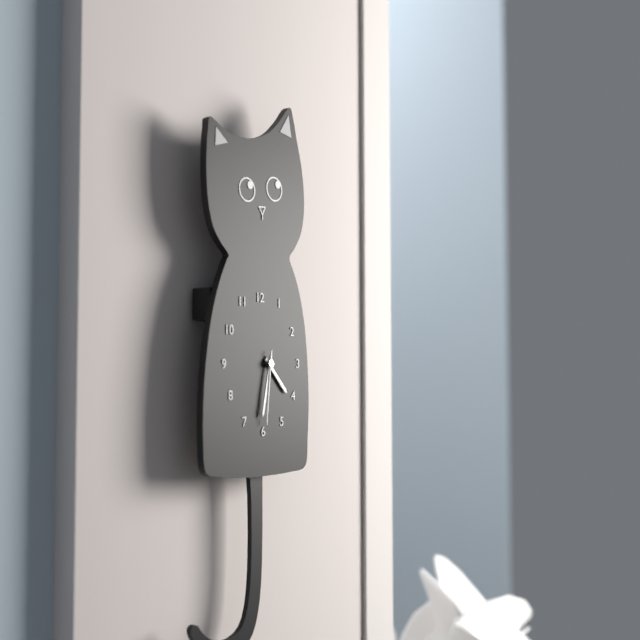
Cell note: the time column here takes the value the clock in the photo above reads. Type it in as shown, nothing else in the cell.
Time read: 4:32:31
